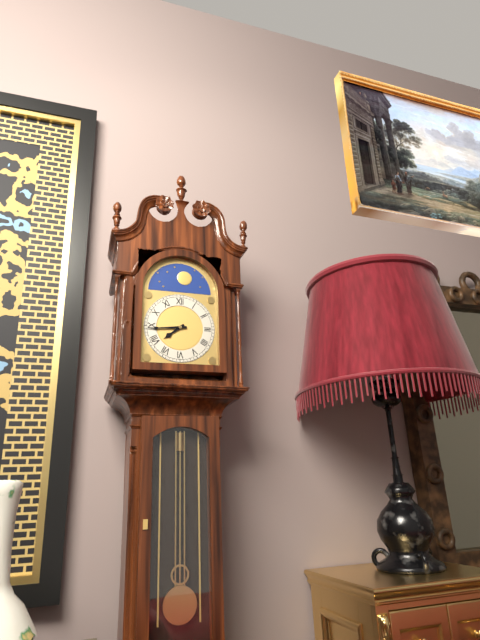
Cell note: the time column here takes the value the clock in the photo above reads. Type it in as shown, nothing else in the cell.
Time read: 7:44
